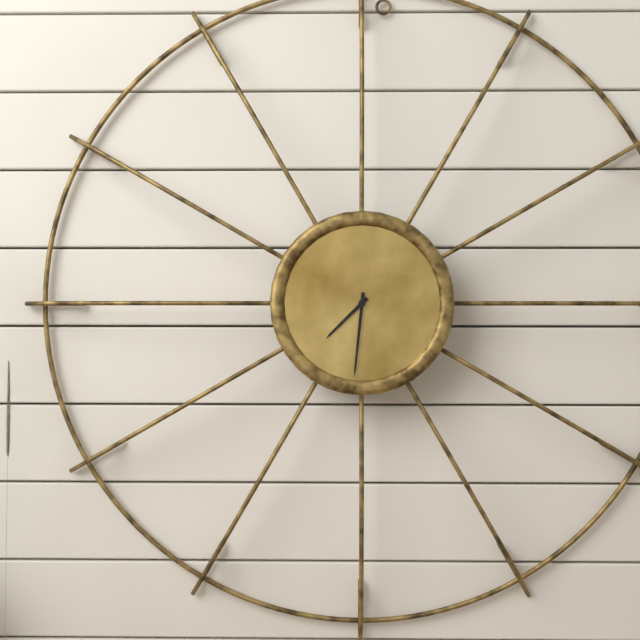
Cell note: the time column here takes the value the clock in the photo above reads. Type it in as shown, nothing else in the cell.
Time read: 7:31
